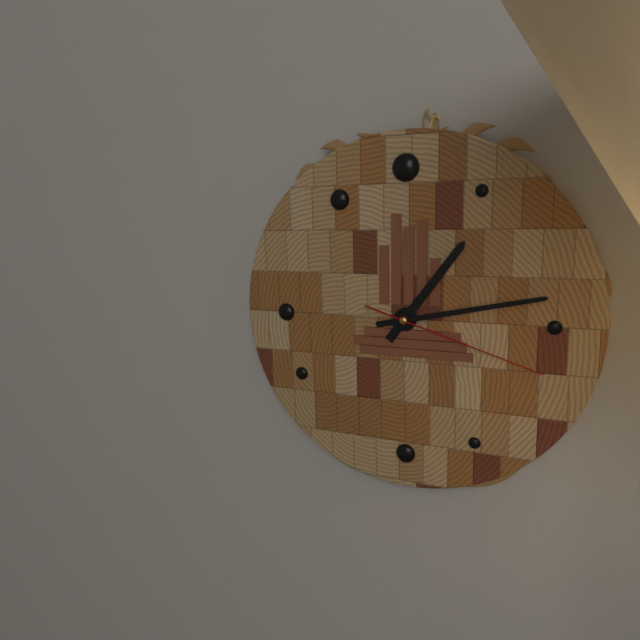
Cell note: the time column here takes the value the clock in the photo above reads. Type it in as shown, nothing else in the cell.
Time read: 1:13:18
